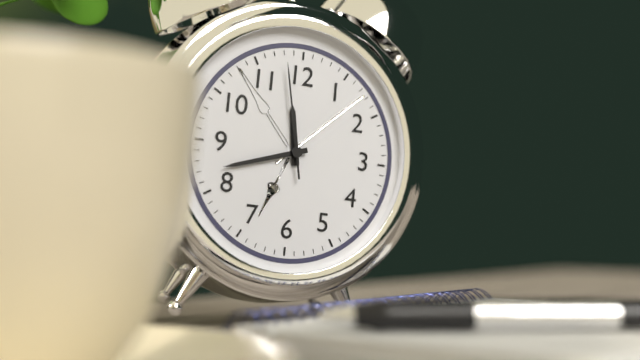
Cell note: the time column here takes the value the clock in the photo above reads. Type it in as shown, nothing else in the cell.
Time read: 11:42:58
